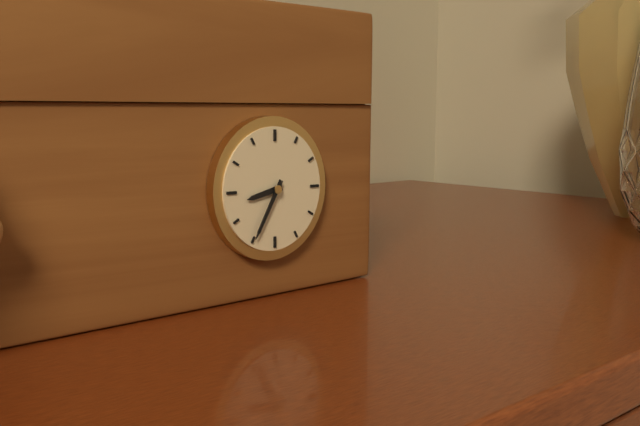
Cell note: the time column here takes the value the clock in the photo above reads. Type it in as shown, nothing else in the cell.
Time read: 8:35
